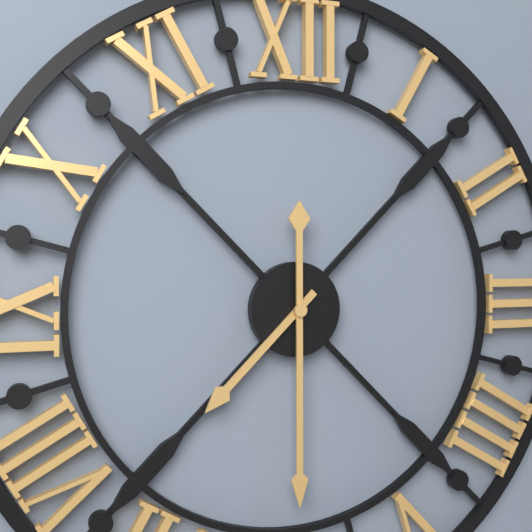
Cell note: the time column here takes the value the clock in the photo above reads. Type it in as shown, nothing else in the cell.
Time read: 7:30
